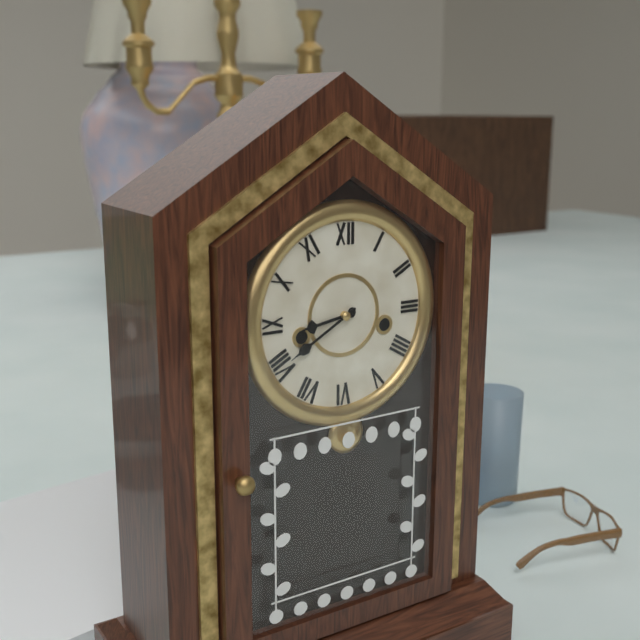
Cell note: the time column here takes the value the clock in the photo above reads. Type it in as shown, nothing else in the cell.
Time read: 8:40
